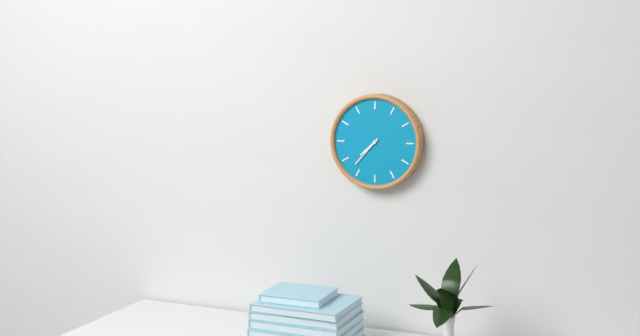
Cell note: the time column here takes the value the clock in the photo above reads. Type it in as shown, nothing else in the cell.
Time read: 7:37
